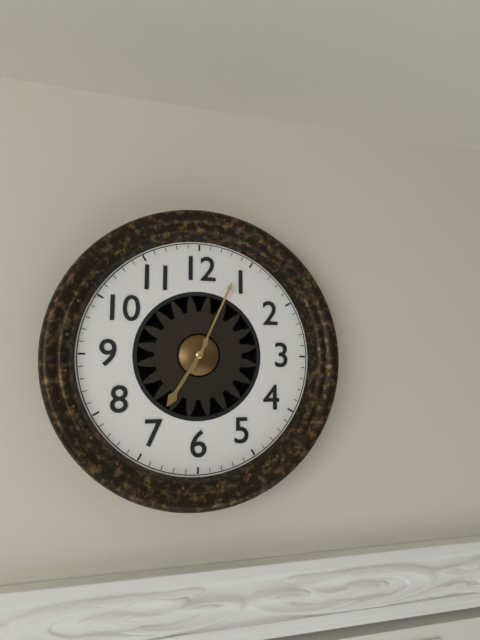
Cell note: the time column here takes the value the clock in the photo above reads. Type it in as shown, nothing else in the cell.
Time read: 7:04
